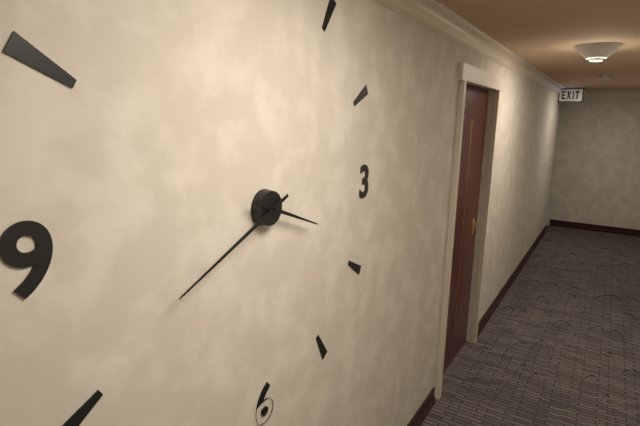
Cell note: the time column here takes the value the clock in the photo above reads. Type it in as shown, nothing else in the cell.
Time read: 3:41
